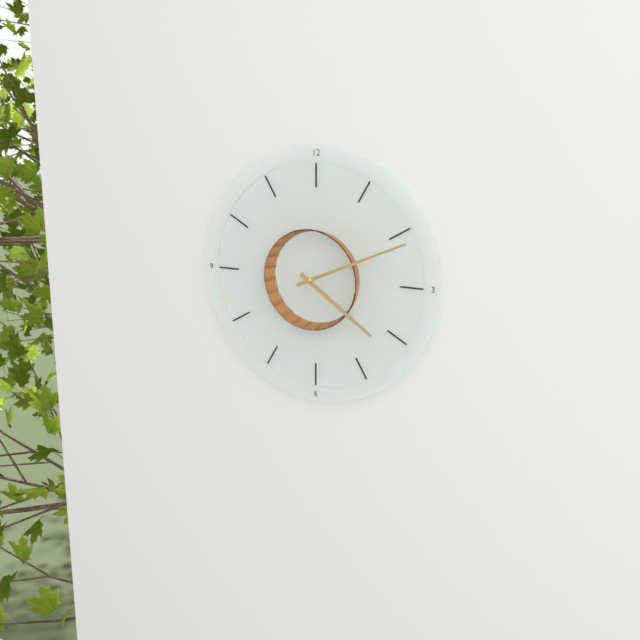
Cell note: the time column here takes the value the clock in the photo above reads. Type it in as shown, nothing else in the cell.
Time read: 4:11
